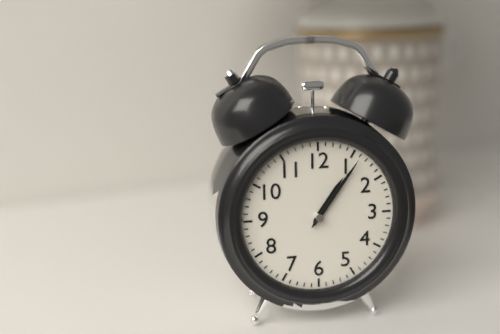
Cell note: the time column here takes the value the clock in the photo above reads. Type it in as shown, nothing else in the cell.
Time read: 1:06
